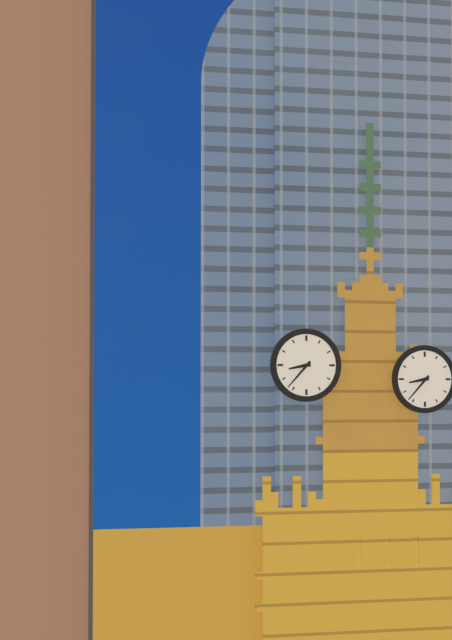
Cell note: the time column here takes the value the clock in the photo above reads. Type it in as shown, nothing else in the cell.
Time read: 8:37
